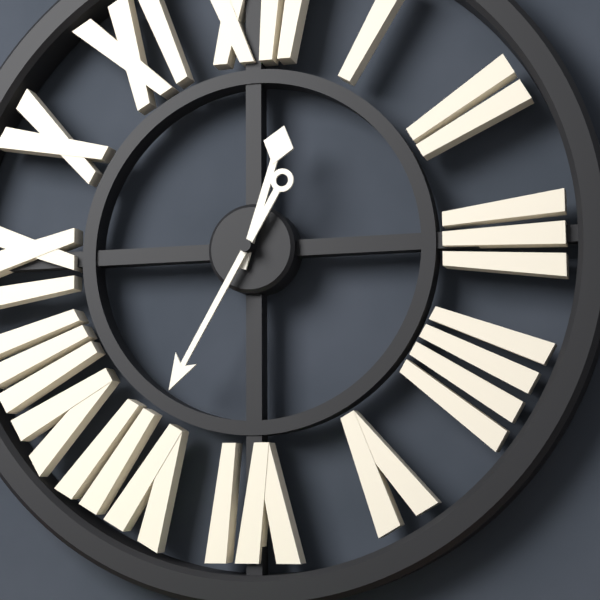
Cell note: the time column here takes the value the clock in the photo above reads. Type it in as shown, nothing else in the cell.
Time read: 12:35
